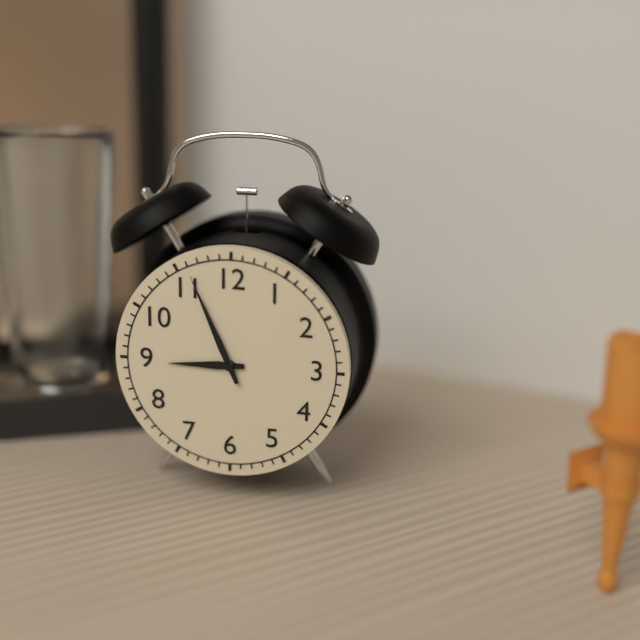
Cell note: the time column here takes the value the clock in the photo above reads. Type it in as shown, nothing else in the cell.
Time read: 8:56
